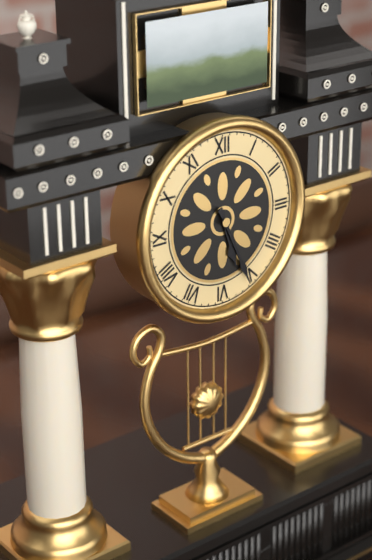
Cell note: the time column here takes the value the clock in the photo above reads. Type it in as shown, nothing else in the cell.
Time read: 5:26
